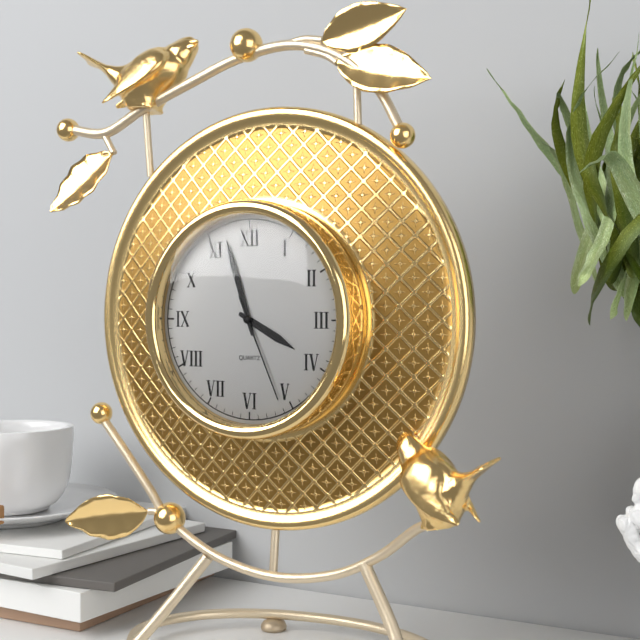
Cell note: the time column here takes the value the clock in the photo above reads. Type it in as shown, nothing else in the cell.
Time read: 3:57:26
